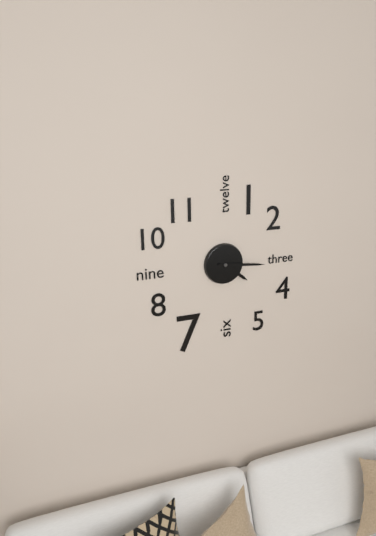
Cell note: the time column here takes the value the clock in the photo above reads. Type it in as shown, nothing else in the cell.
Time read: 4:16
